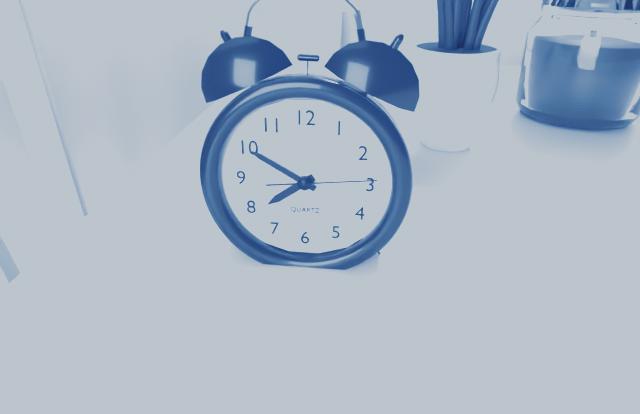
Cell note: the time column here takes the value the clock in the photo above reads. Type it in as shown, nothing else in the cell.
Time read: 7:50:14
